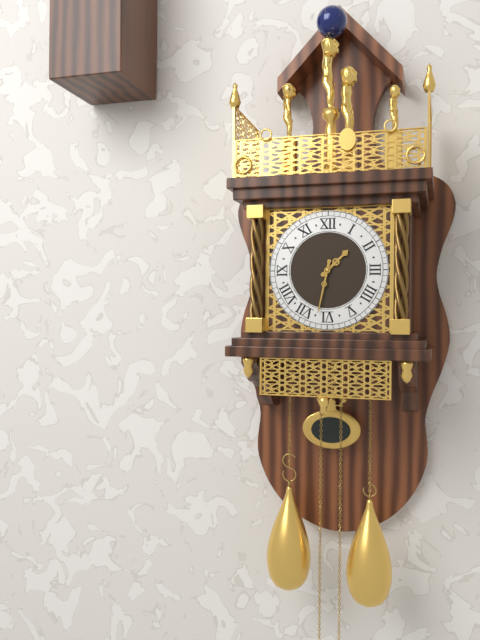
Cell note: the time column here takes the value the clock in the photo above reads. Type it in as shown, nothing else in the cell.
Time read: 1:32
